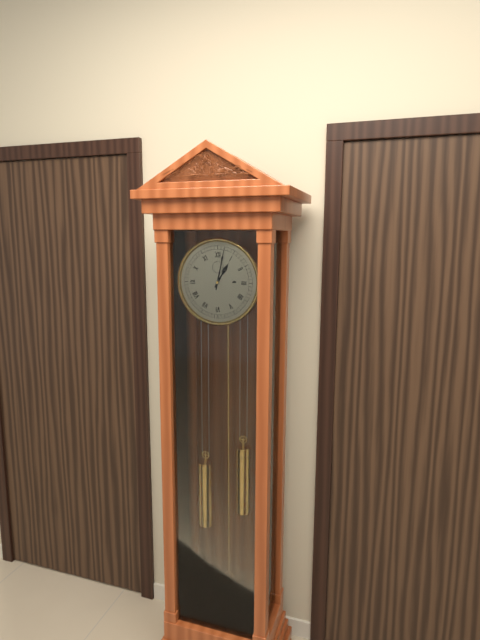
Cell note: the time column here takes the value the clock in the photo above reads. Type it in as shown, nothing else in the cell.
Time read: 1:02
